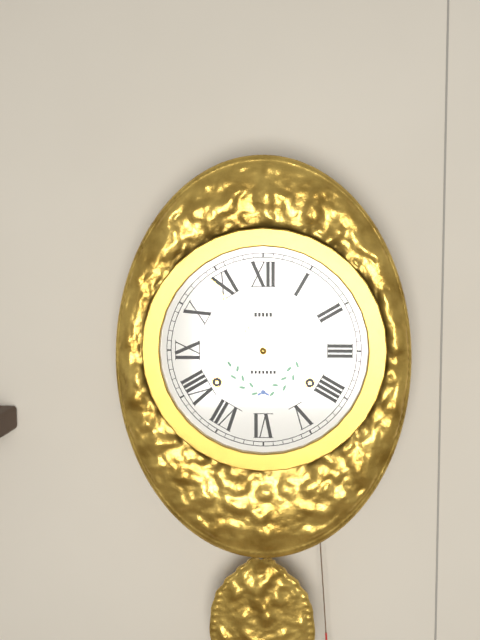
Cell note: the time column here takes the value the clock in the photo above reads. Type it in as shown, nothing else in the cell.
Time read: 12:54
